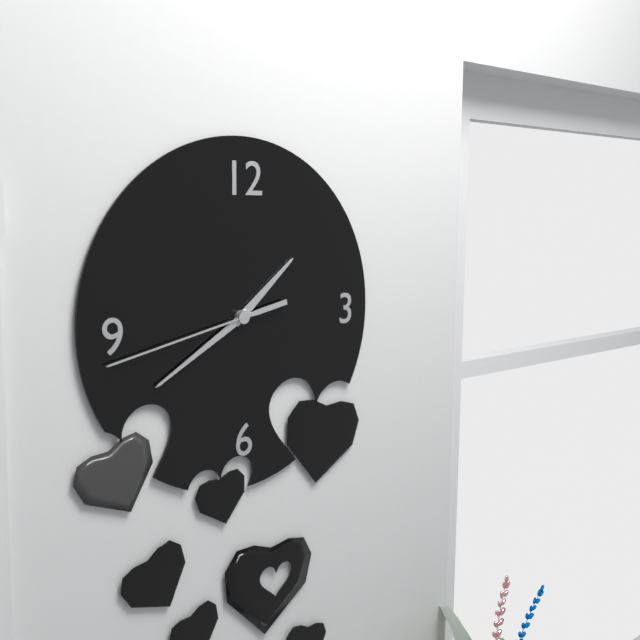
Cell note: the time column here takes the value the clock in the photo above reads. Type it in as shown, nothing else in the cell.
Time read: 1:40:43
